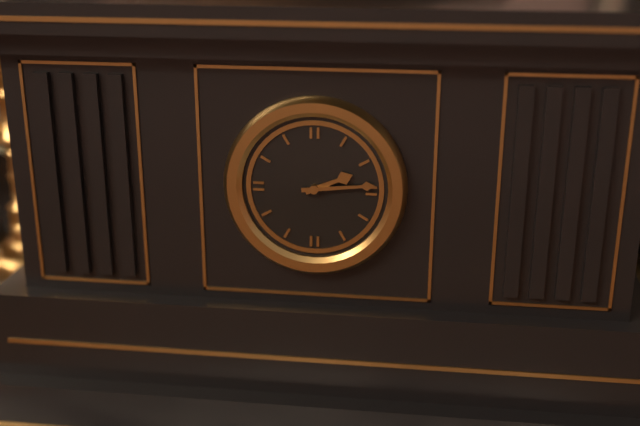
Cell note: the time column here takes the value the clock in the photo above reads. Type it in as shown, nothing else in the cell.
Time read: 2:14
